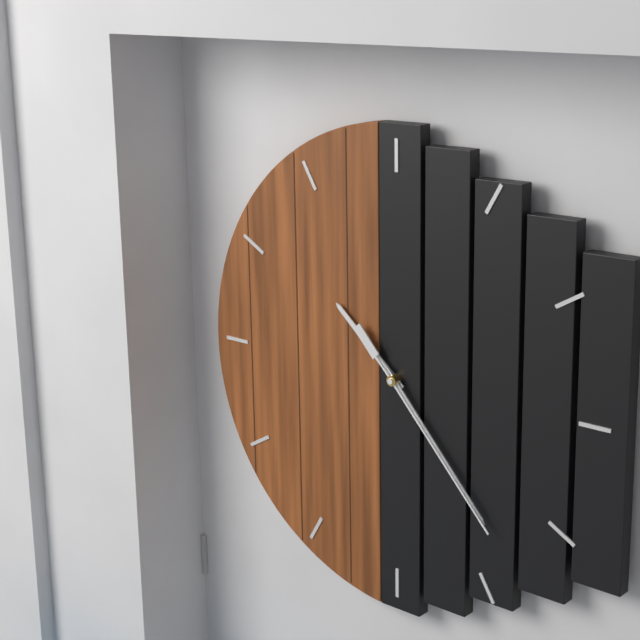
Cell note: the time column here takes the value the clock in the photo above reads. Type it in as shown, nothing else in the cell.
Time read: 10:23:23
